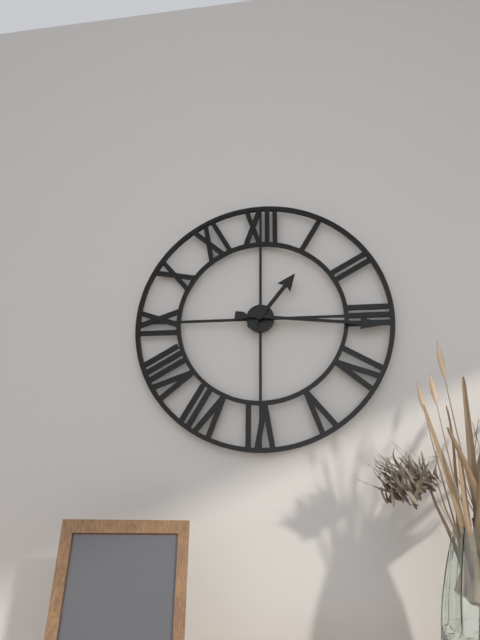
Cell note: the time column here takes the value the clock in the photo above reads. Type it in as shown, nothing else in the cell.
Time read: 1:16
